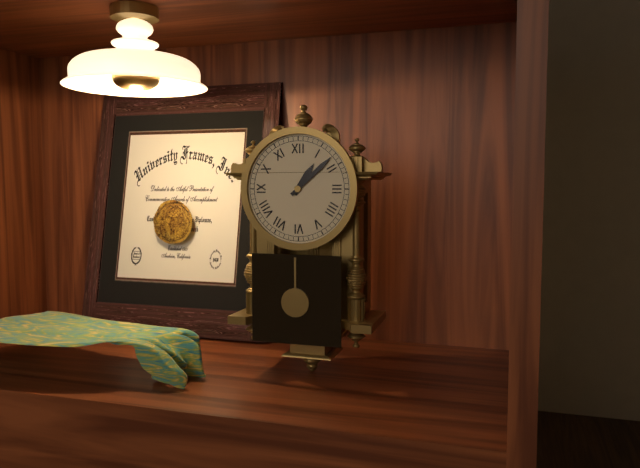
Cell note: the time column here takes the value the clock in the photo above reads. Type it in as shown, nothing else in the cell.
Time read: 1:08
